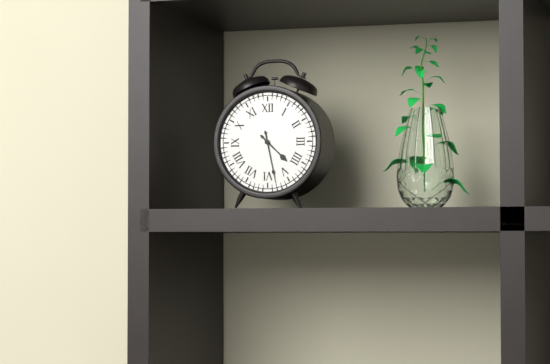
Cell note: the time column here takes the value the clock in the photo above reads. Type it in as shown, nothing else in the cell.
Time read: 4:28
